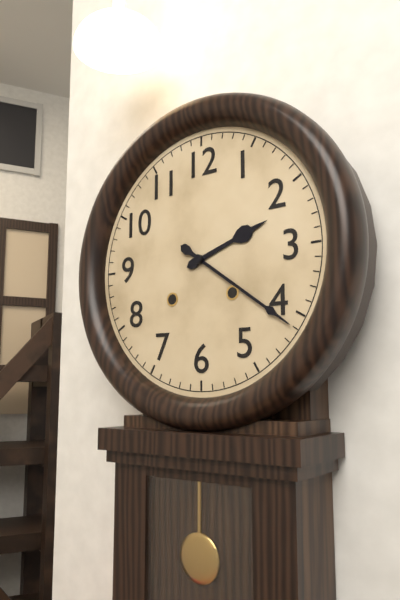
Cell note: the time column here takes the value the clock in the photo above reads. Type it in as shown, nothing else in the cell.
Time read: 2:21
